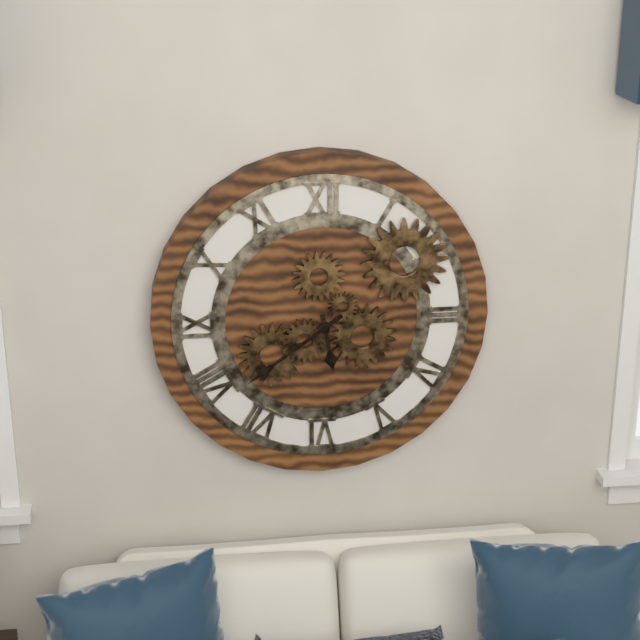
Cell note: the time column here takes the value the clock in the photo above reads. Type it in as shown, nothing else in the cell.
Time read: 5:39
